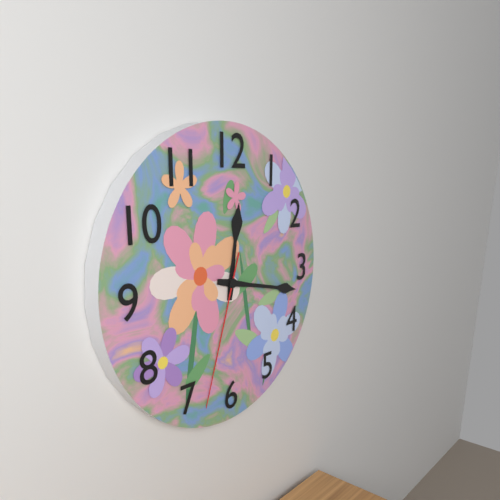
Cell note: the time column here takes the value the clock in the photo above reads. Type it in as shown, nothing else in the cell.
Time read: 12:17:33
